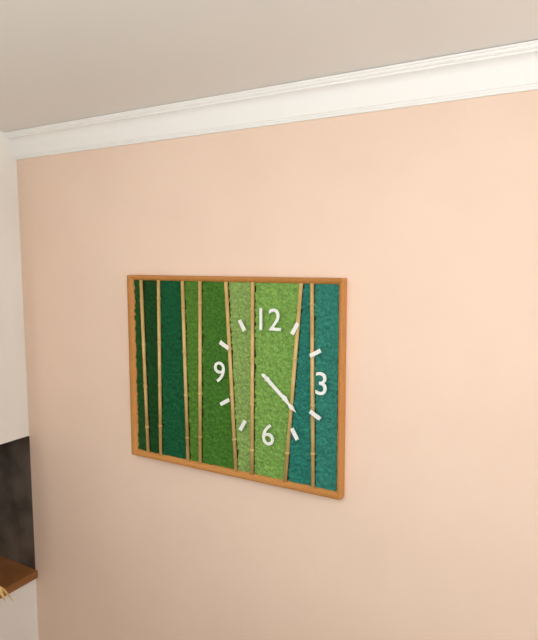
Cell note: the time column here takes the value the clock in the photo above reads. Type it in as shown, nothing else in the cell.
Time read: 4:22
